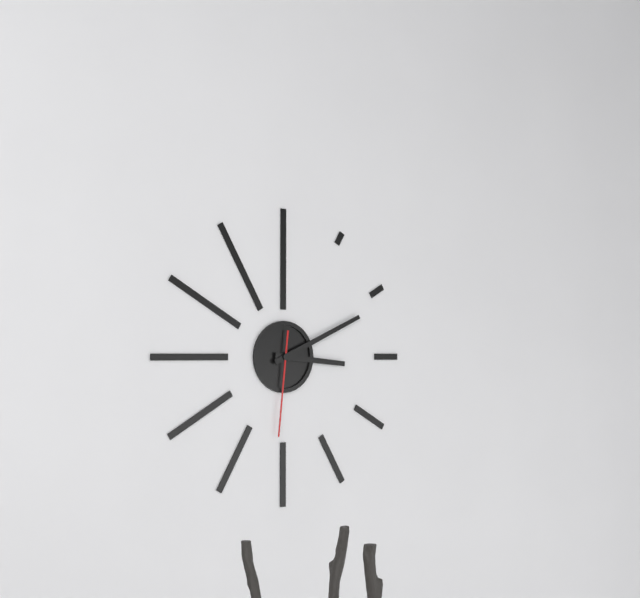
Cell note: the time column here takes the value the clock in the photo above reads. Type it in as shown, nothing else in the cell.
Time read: 3:11:31
